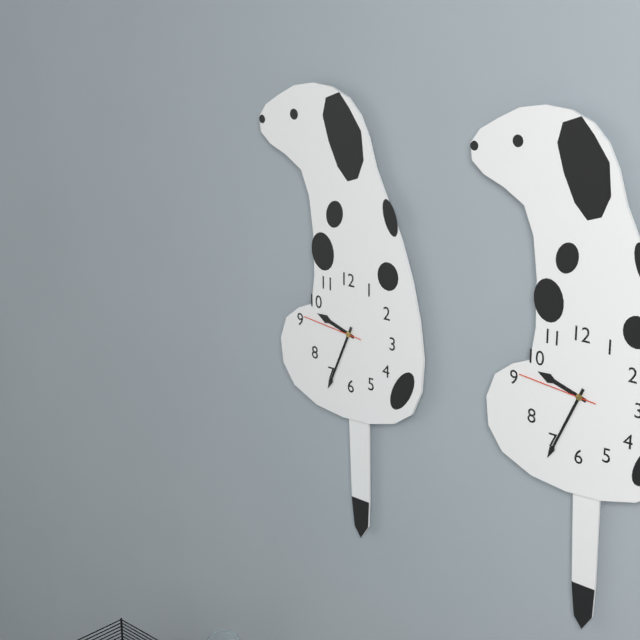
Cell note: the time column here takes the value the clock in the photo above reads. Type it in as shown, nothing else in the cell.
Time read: 9:34:46
